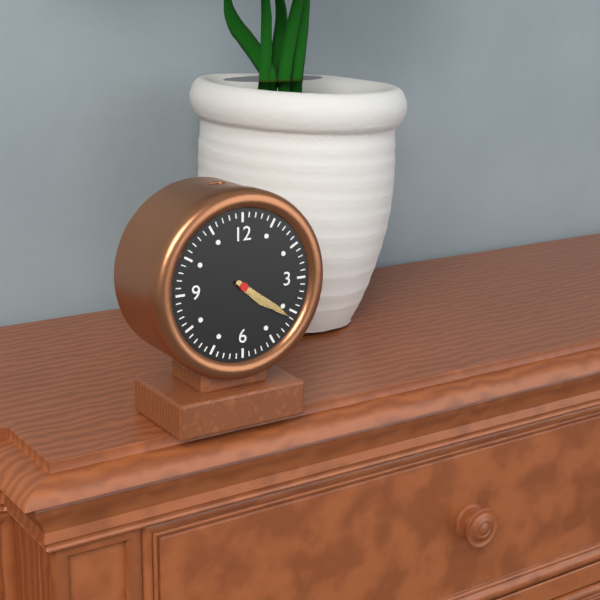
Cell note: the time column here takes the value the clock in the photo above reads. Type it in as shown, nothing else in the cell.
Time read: 4:21
